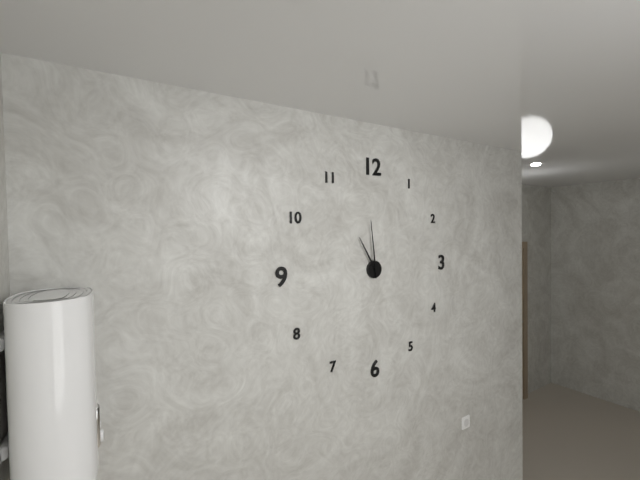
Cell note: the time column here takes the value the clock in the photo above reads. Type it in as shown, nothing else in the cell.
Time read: 10:59
